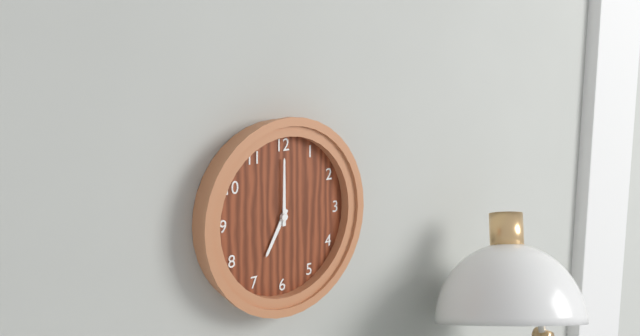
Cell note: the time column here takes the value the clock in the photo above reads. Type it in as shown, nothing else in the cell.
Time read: 7:00
